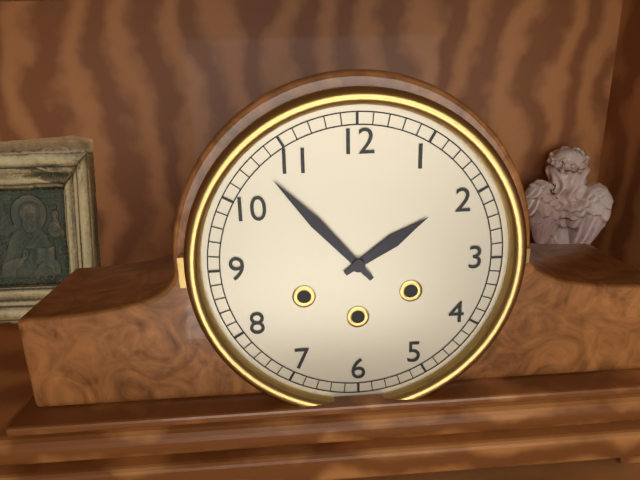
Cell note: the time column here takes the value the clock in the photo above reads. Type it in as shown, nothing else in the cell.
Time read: 1:53
